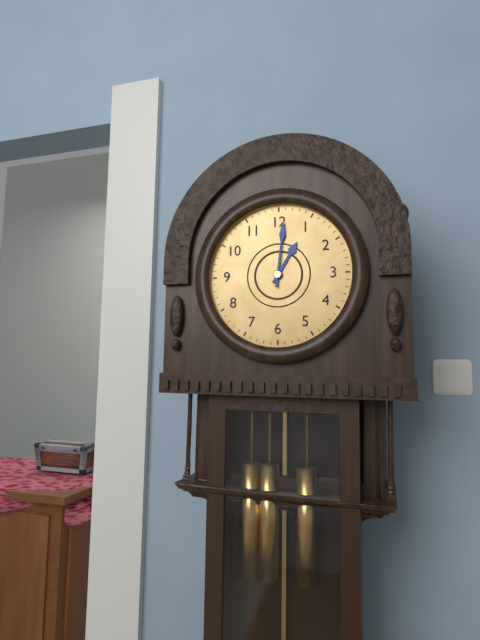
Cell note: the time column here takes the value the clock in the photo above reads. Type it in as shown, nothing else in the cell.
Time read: 1:01
